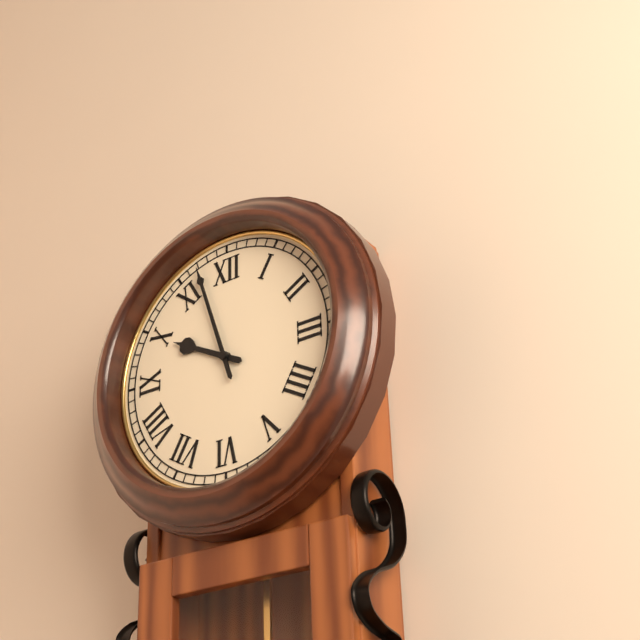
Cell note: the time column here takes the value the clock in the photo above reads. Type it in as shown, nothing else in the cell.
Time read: 9:57
